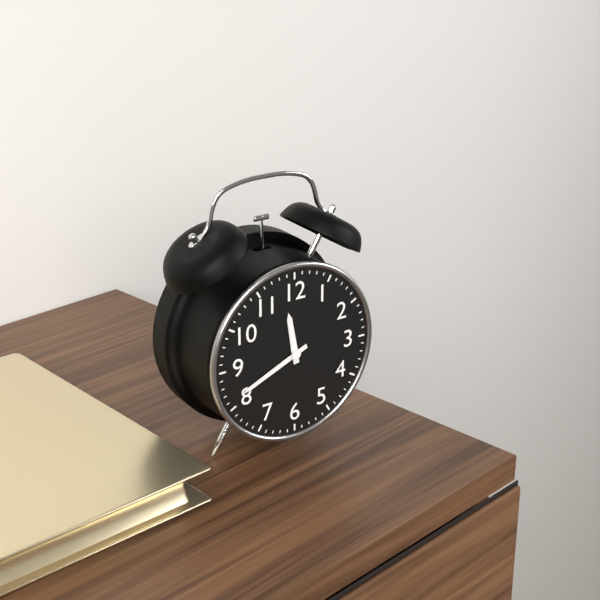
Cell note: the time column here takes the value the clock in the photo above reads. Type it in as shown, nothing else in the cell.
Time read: 11:41
